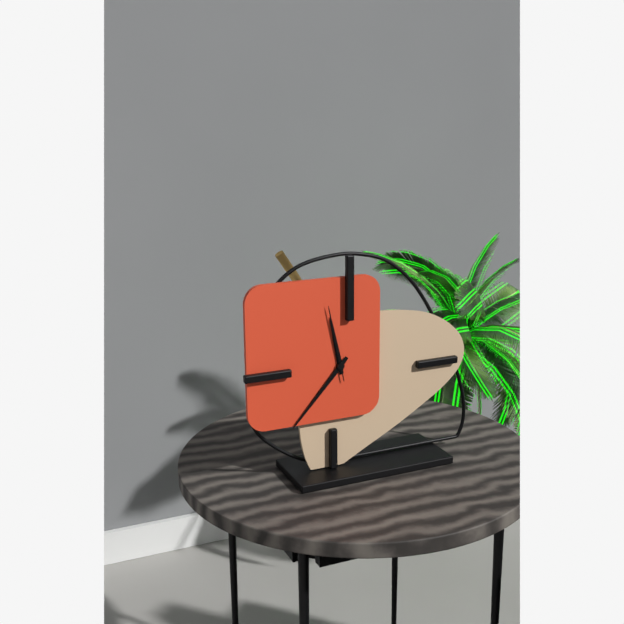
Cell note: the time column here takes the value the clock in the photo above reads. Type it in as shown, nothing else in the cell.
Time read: 11:37:58
